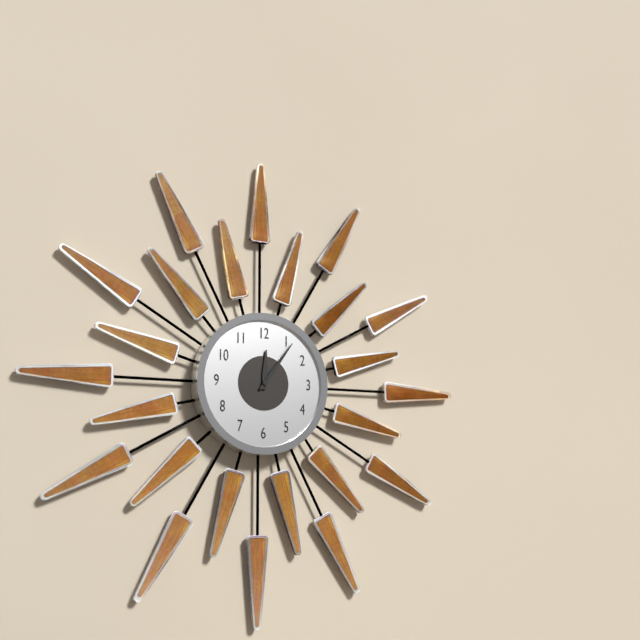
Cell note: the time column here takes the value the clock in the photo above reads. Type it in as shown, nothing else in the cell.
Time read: 12:06
